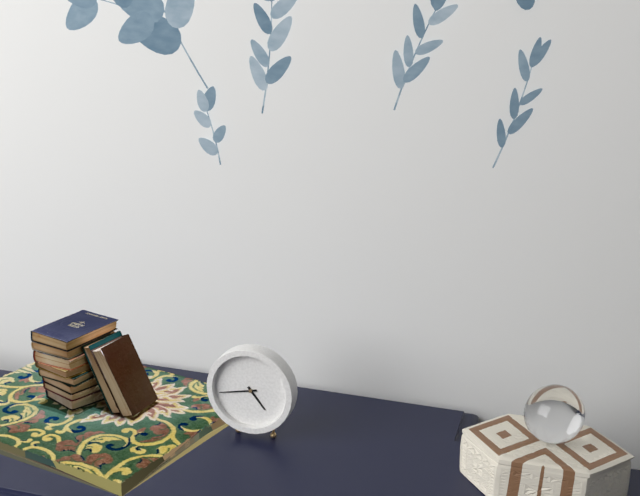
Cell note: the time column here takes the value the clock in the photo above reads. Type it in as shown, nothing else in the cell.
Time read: 4:43
